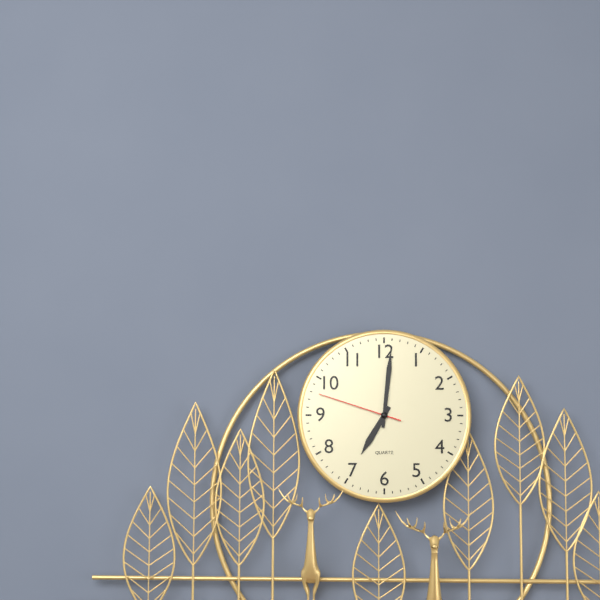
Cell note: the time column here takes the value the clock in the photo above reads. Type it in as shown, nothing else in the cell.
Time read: 7:01:48
